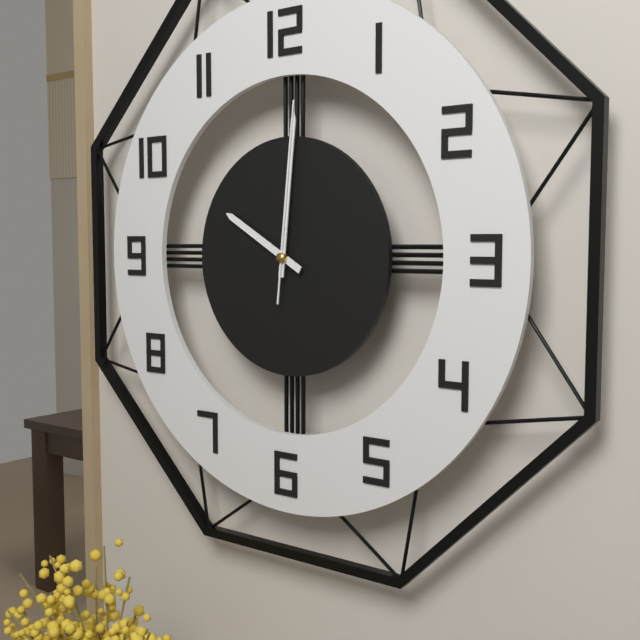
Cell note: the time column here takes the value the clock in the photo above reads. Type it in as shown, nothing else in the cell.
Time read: 10:01:01
